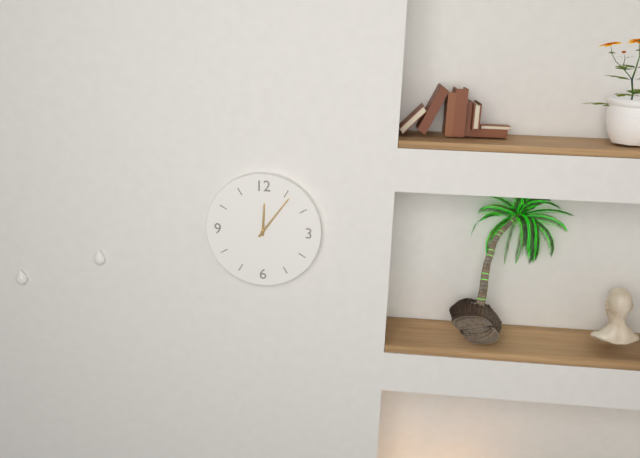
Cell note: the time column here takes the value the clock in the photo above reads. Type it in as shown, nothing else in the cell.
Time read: 12:06
